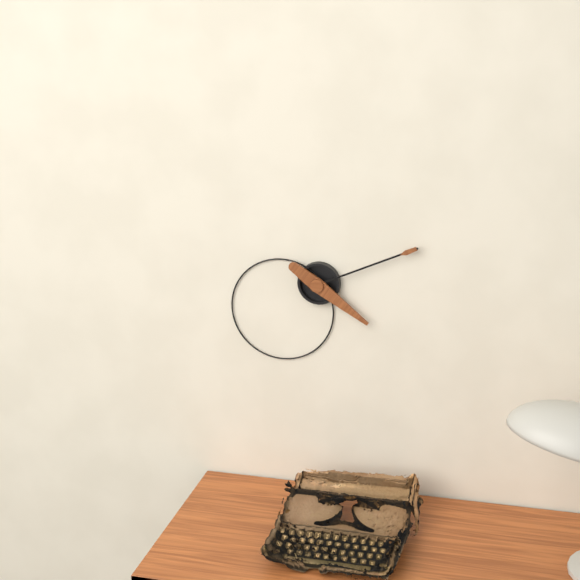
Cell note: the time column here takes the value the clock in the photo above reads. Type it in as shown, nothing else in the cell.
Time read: 4:11
